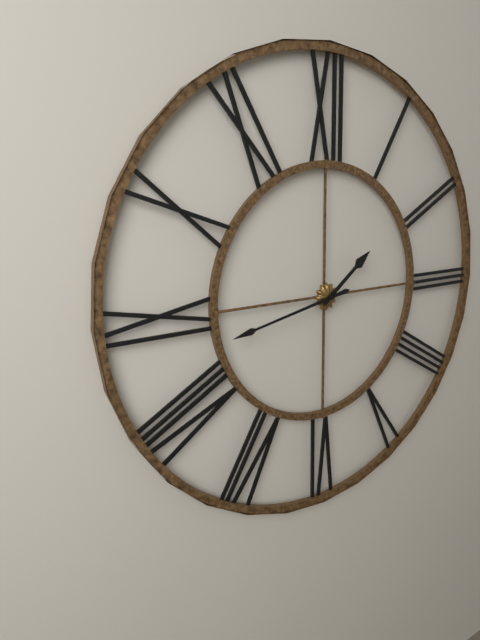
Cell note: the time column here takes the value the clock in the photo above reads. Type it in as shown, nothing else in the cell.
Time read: 1:43
